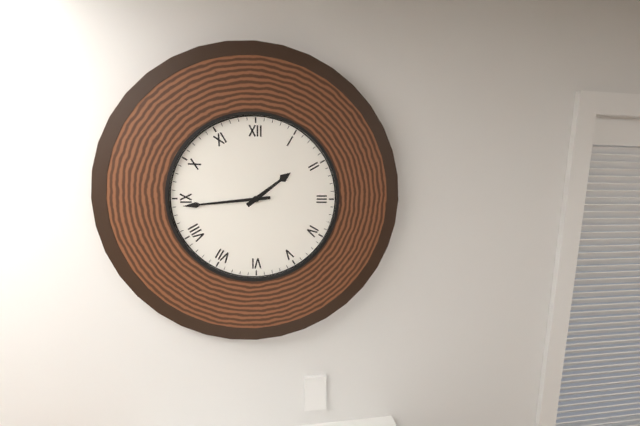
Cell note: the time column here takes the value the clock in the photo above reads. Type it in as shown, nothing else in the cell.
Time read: 1:44
